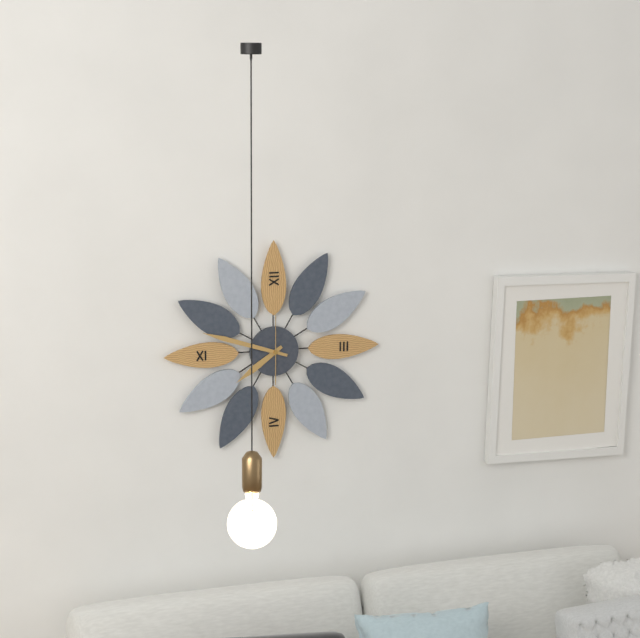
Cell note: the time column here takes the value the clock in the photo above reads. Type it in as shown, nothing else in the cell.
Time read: 7:48
